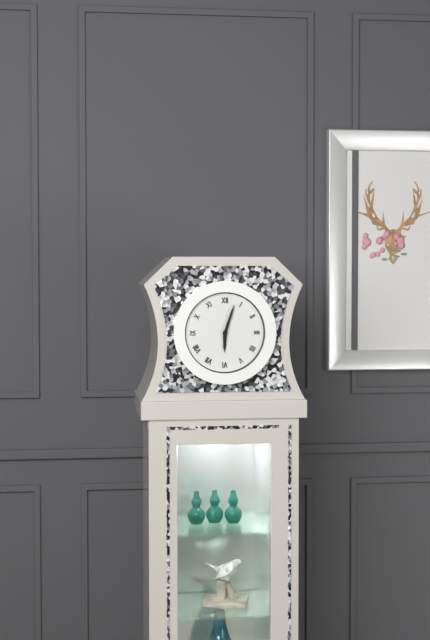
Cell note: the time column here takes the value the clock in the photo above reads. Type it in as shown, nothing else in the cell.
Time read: 6:03
